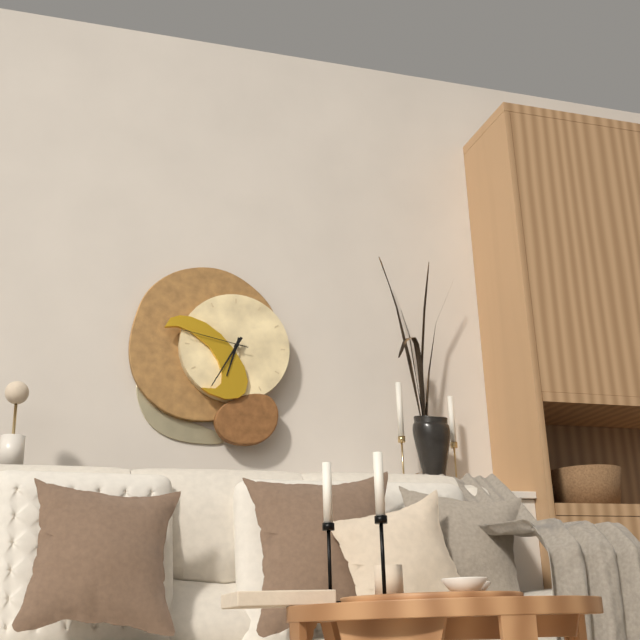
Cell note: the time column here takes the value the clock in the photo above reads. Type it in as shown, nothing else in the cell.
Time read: 6:35:47
